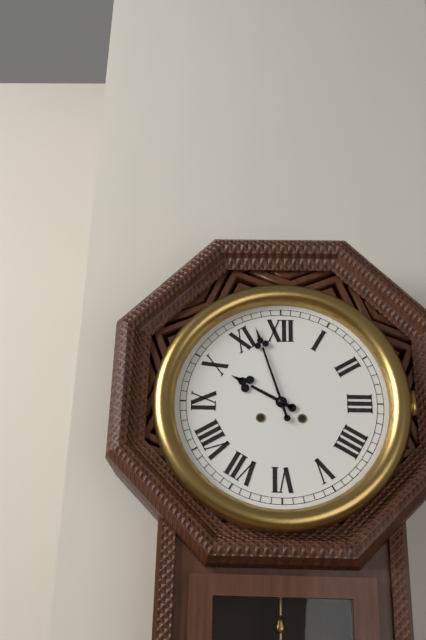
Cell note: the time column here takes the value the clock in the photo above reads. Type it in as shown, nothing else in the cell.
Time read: 9:57
